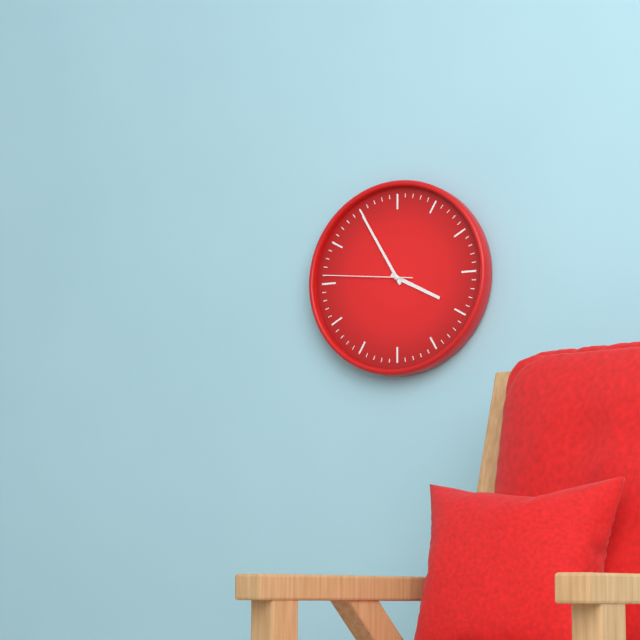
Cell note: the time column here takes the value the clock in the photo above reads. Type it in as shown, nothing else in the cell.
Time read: 3:55:46
